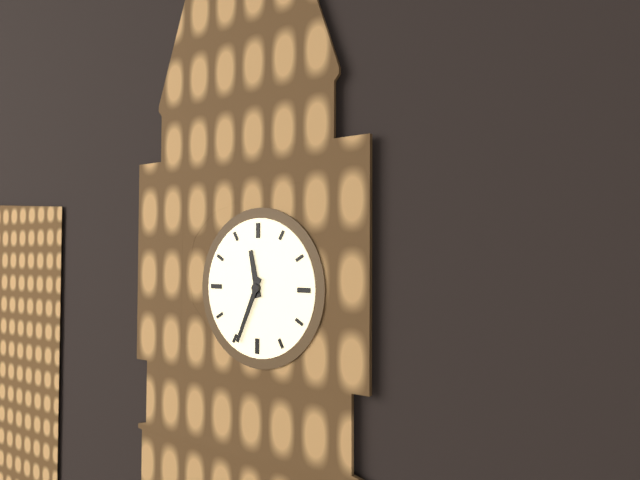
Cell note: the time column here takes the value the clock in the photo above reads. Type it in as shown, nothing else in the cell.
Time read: 11:34
